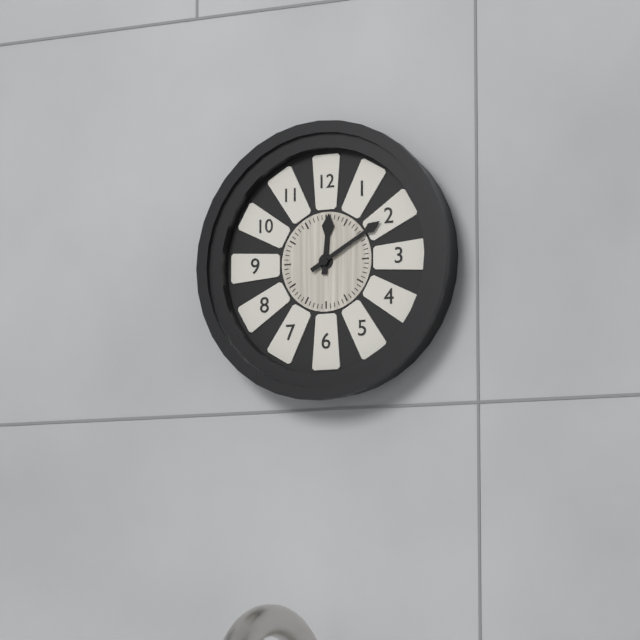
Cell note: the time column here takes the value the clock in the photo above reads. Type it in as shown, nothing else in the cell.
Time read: 12:10
